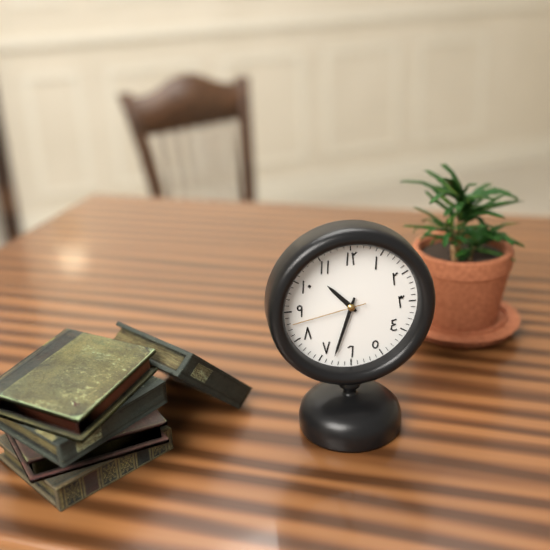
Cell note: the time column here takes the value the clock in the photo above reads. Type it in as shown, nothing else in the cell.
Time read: 10:33:43
